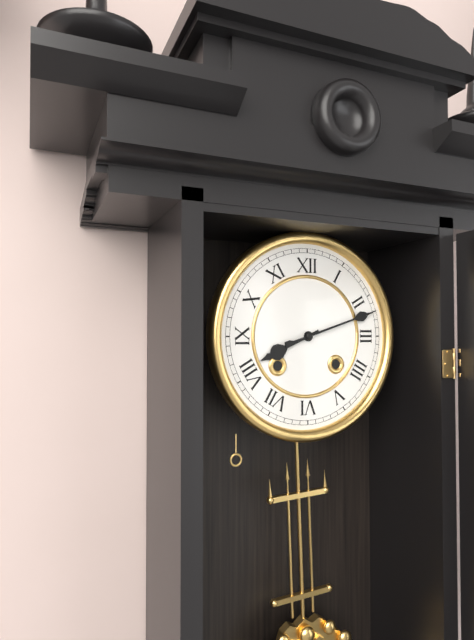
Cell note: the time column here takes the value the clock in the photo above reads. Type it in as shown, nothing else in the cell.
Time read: 8:12
